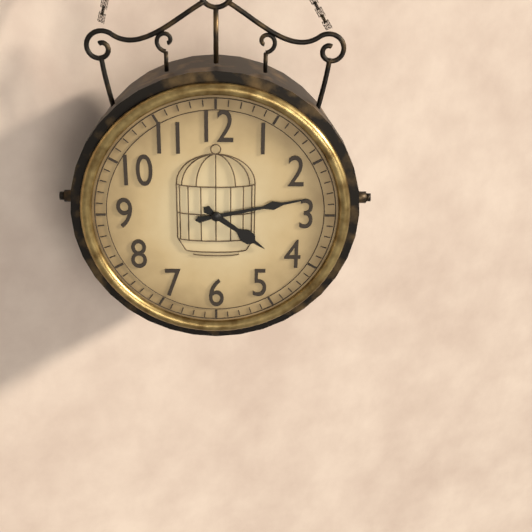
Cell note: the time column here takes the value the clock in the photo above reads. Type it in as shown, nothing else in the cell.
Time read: 4:13
